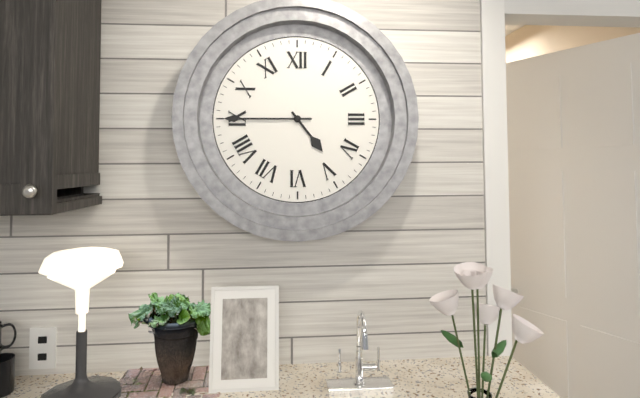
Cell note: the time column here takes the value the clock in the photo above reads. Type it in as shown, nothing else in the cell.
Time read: 4:45
